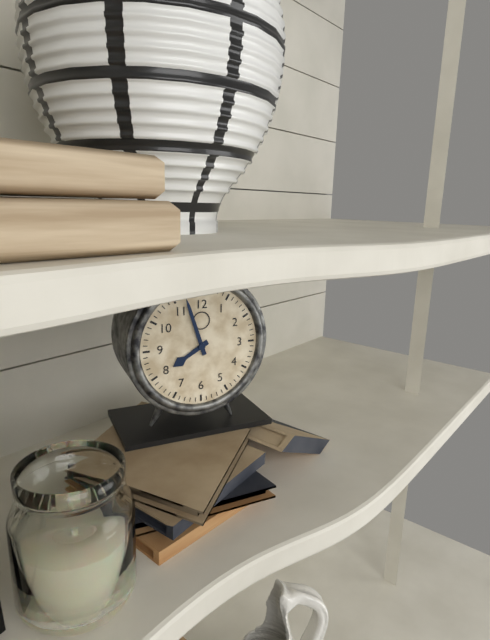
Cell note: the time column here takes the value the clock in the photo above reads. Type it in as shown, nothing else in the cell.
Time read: 7:57
